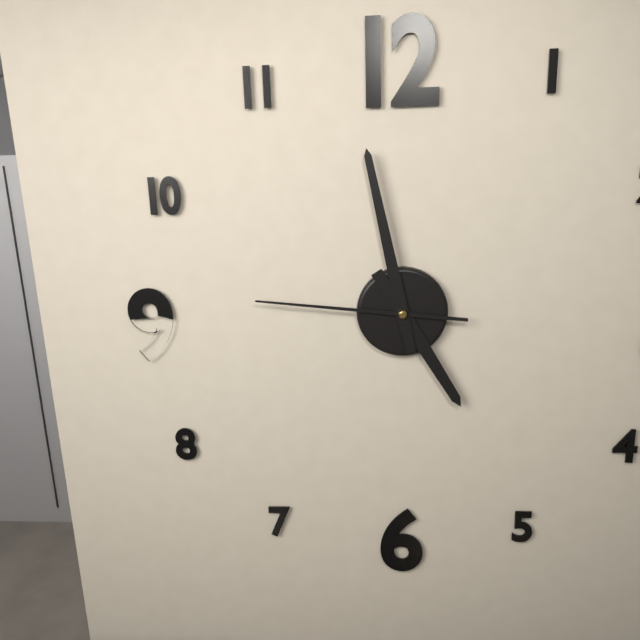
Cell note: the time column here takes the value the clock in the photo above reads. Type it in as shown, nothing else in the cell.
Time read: 4:58:46
